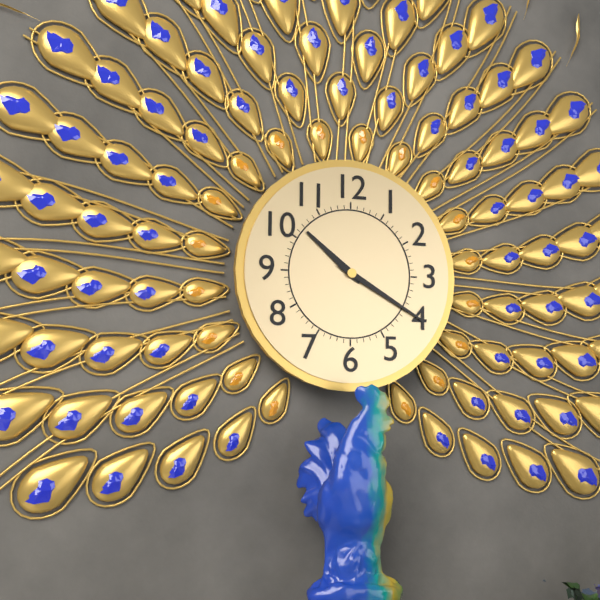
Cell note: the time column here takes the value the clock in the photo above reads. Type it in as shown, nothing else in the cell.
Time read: 10:20
